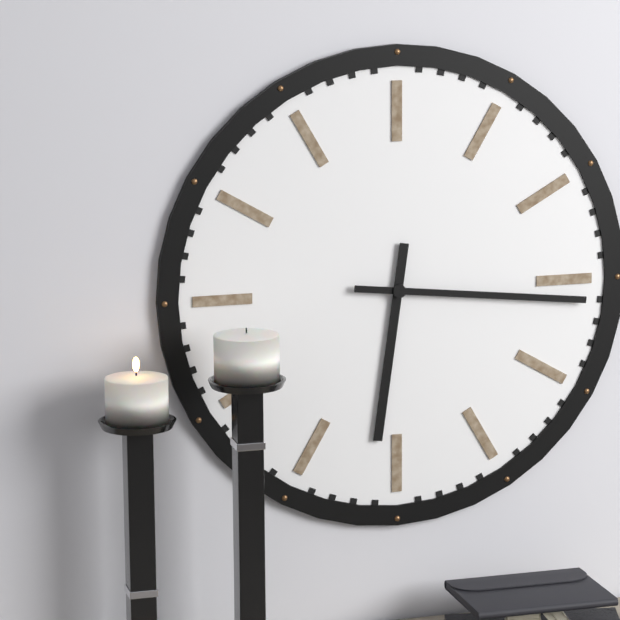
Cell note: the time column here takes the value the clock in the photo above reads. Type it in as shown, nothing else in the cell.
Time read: 6:16
